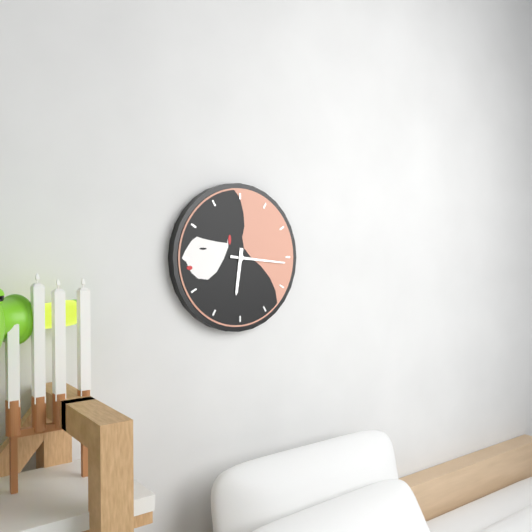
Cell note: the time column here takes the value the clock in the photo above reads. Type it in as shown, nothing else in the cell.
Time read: 6:16
